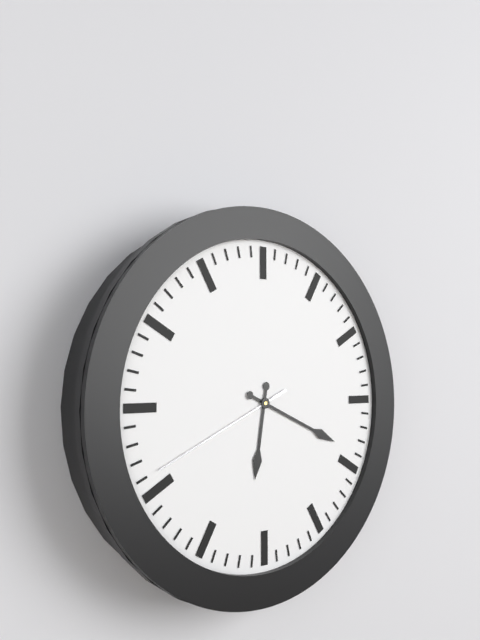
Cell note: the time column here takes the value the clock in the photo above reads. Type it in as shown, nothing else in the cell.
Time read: 6:19:41
